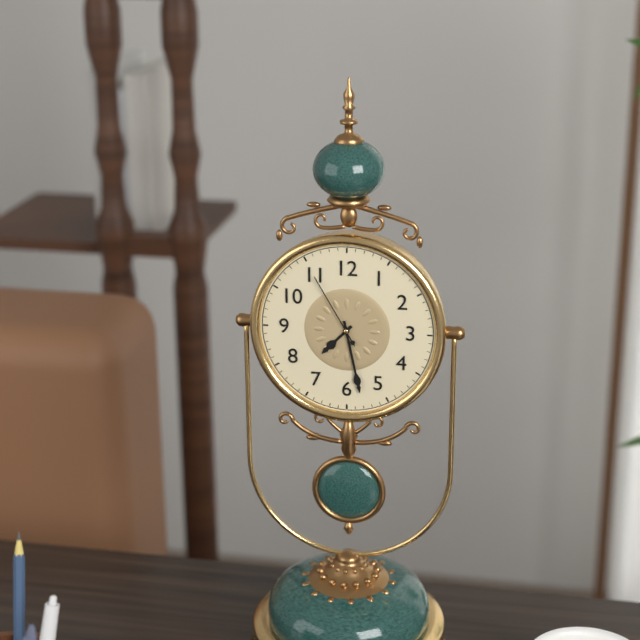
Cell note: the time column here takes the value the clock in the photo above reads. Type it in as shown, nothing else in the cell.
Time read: 7:28:55
